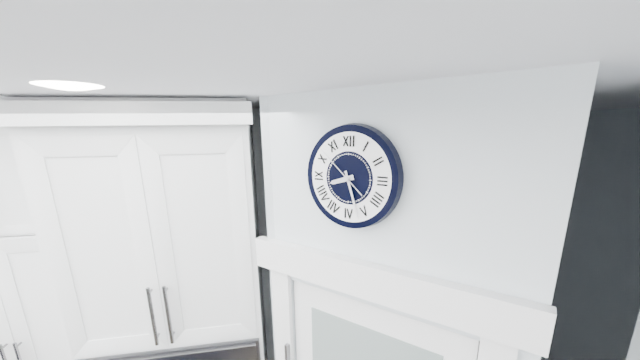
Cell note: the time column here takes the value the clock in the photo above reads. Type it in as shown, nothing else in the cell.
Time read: 8:27:52
